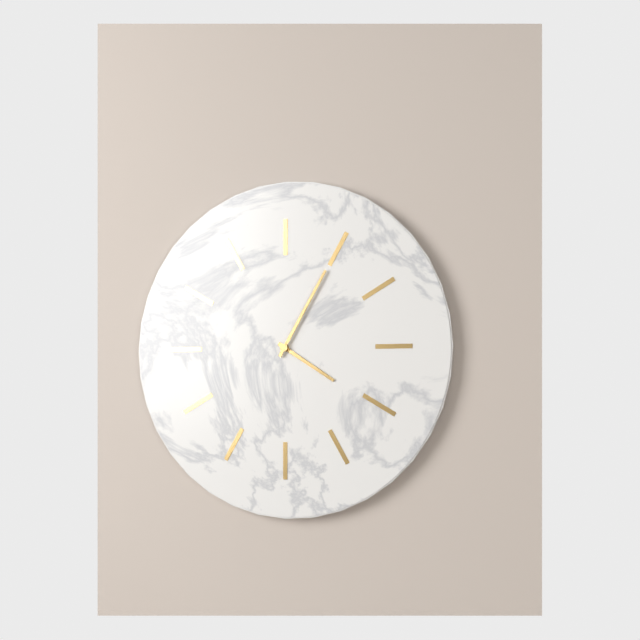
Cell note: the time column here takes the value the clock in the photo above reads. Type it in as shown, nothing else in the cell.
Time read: 4:05
